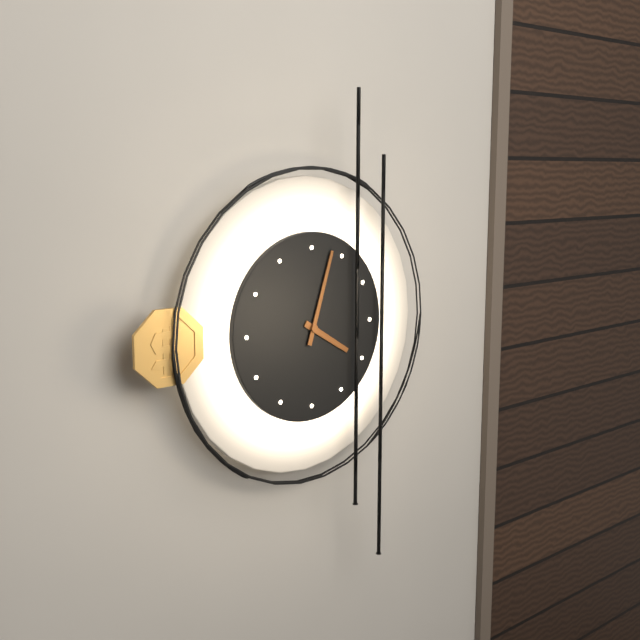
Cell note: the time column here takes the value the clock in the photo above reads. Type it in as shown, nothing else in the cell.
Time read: 4:03
